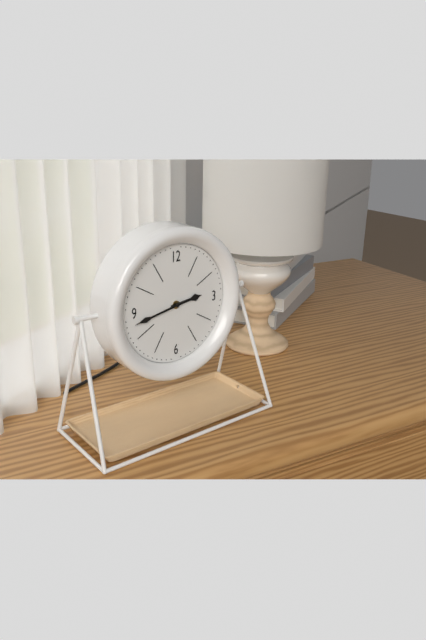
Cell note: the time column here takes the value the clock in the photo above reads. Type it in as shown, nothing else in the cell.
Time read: 2:43
